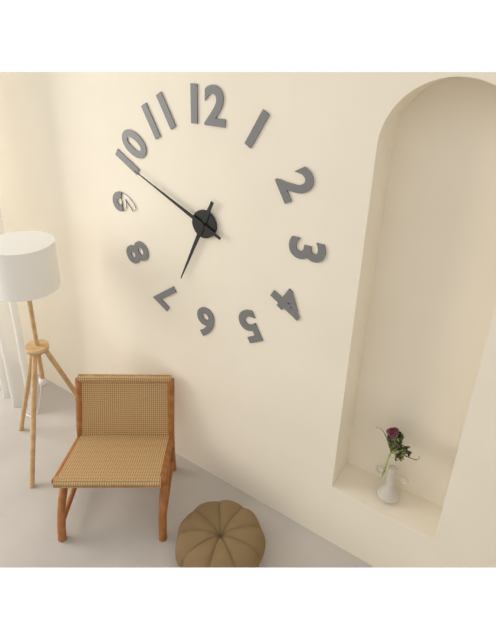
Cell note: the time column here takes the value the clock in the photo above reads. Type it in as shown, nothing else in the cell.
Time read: 6:49
